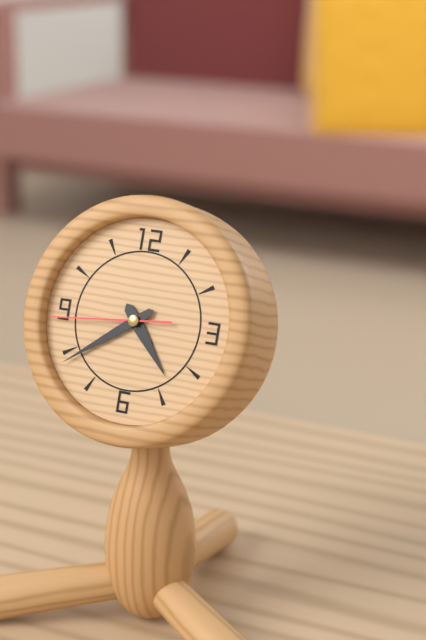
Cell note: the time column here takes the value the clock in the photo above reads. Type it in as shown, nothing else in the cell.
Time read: 4:39:44
